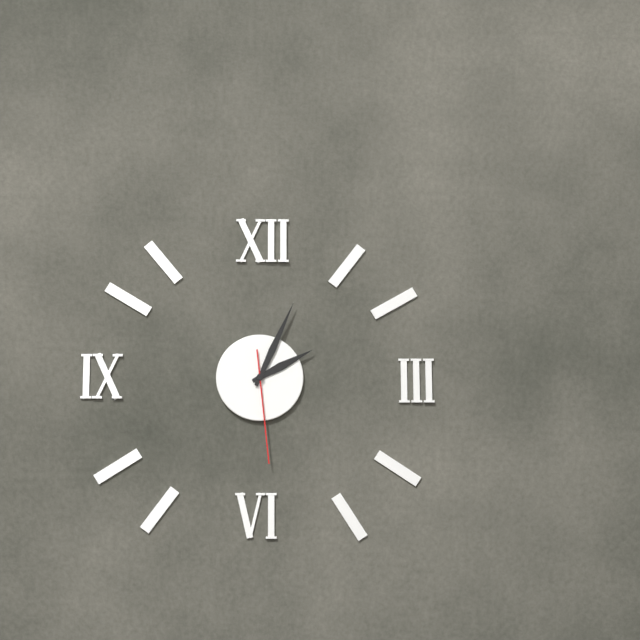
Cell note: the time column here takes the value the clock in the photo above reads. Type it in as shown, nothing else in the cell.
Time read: 2:04:29
